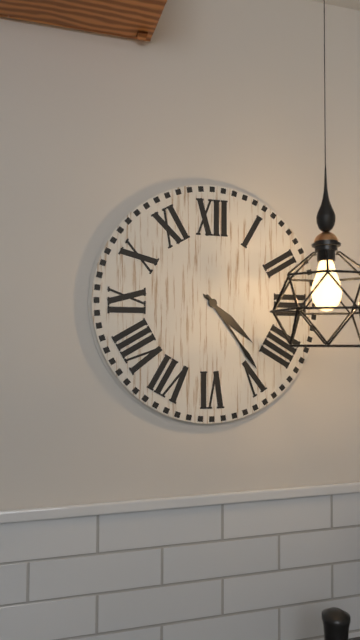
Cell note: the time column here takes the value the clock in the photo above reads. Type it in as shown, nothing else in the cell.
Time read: 4:24
